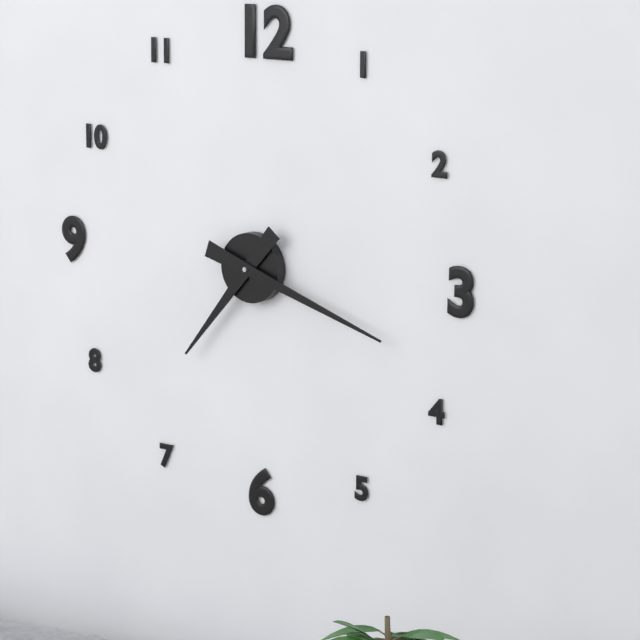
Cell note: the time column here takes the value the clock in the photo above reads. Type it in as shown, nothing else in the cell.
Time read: 7:18
